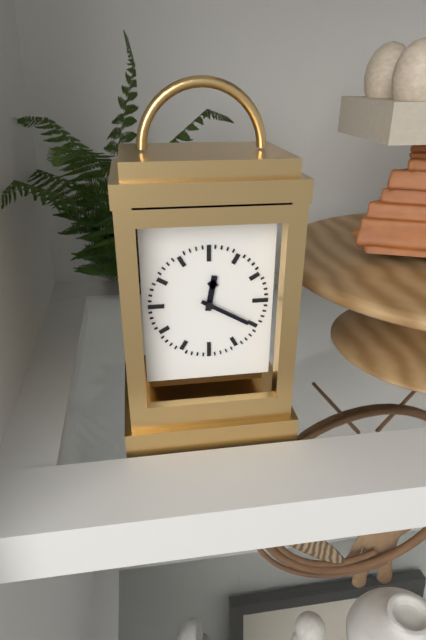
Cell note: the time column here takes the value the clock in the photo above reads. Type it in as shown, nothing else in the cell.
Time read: 12:20
